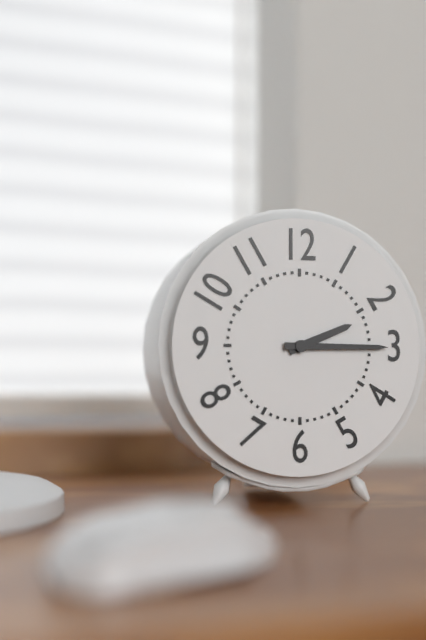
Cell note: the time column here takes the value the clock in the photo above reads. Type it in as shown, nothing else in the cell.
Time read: 2:15
